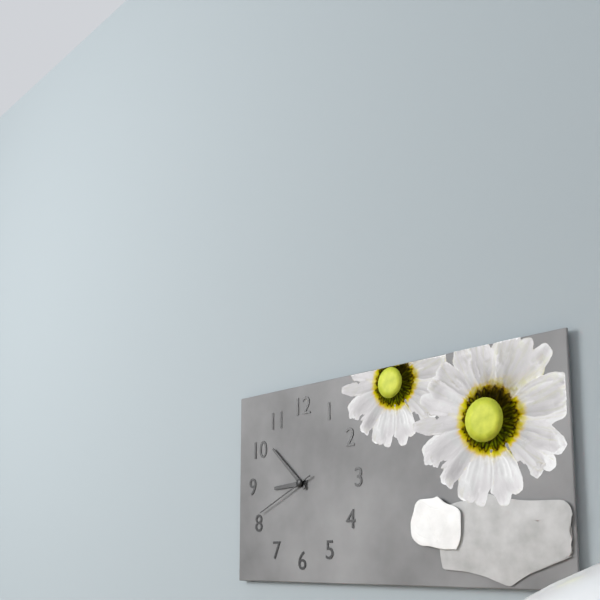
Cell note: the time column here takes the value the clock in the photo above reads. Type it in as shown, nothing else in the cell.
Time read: 8:52:41
